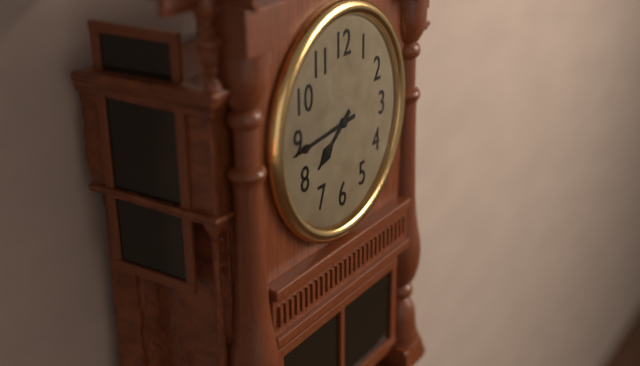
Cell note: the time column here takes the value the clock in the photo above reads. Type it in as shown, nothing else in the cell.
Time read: 7:44
